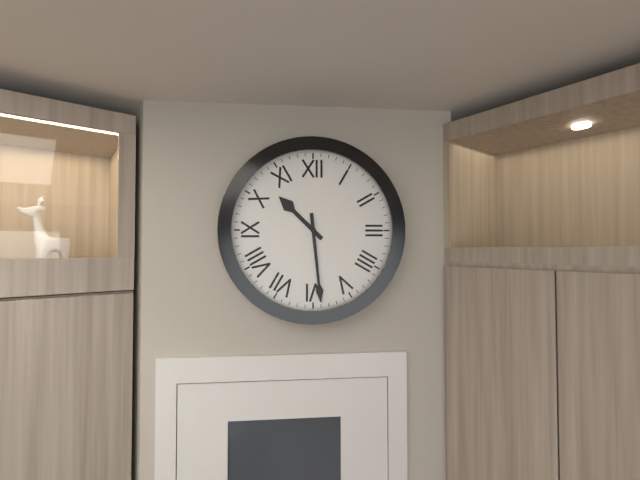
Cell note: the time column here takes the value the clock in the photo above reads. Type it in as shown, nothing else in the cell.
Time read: 10:29
